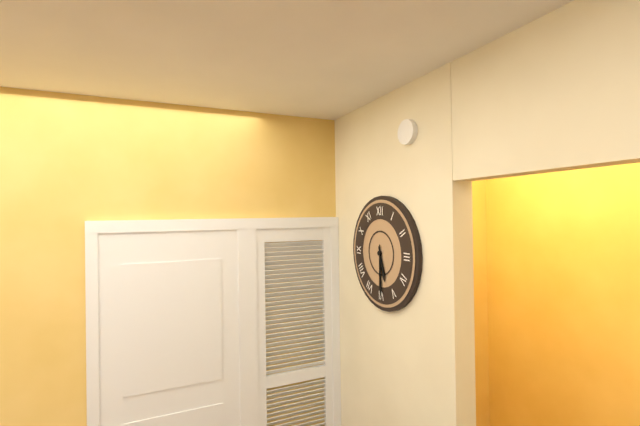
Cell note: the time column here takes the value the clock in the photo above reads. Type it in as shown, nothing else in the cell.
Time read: 5:30
